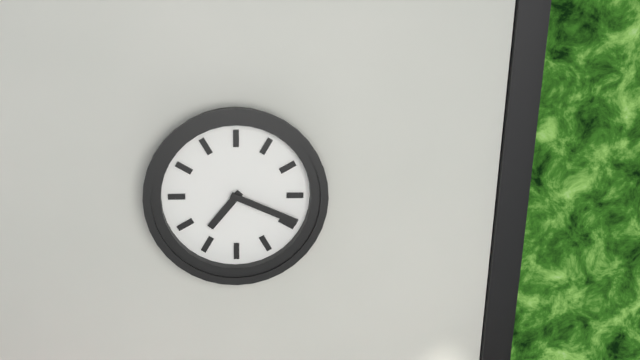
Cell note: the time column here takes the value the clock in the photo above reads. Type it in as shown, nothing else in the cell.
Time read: 7:19
